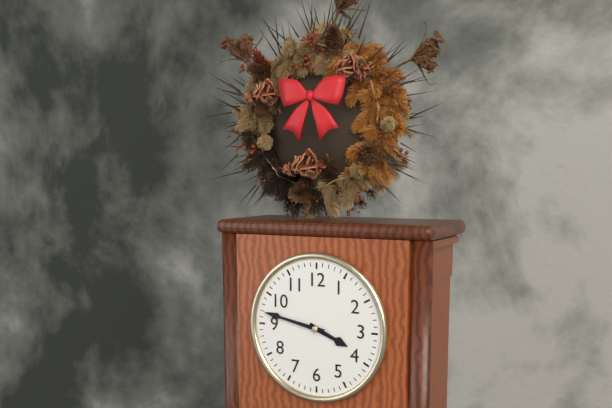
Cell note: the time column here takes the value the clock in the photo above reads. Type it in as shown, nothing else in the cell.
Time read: 3:47
